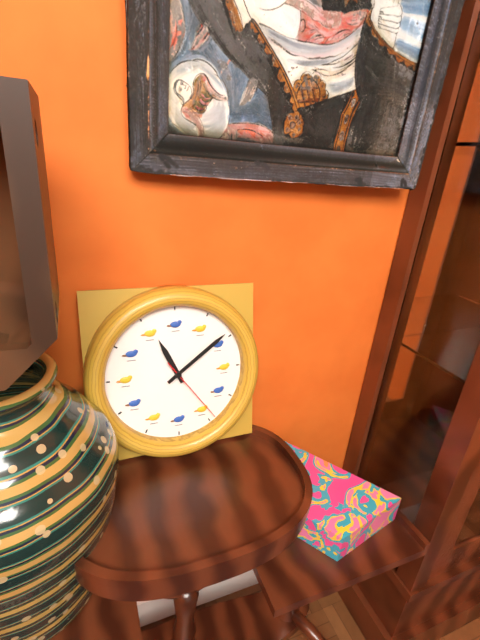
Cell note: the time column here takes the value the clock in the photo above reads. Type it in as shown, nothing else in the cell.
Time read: 11:09:24
